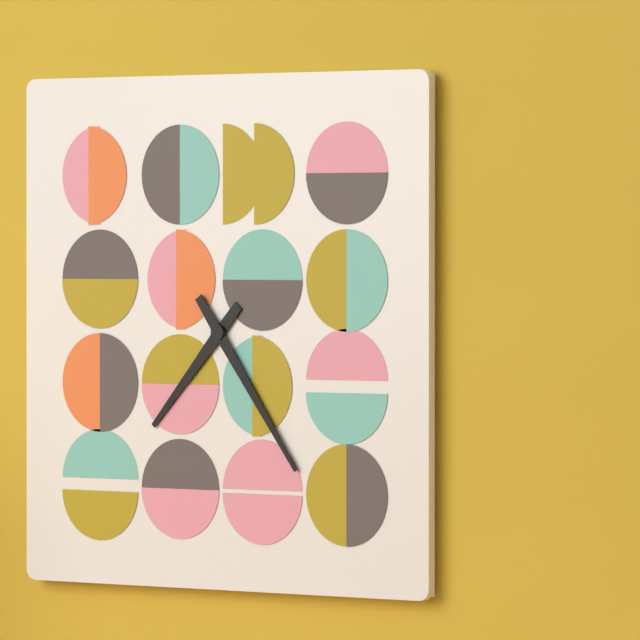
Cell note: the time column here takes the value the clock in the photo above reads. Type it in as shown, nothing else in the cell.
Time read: 7:24
